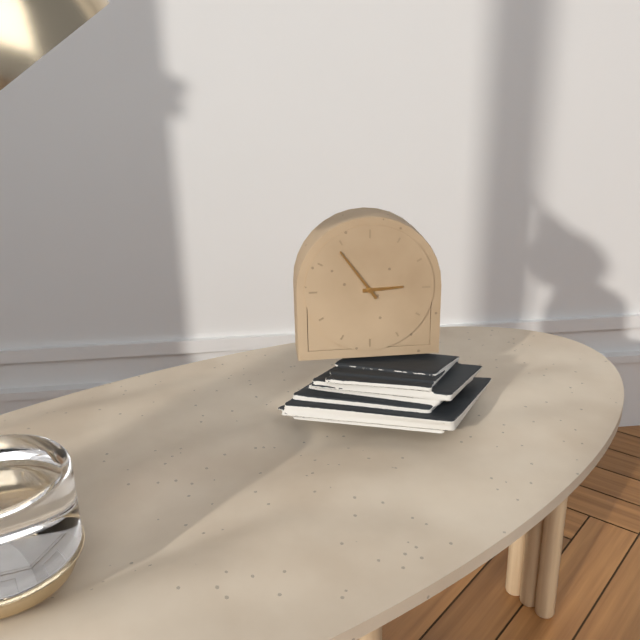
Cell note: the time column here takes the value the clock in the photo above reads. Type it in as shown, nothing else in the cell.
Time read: 2:54
